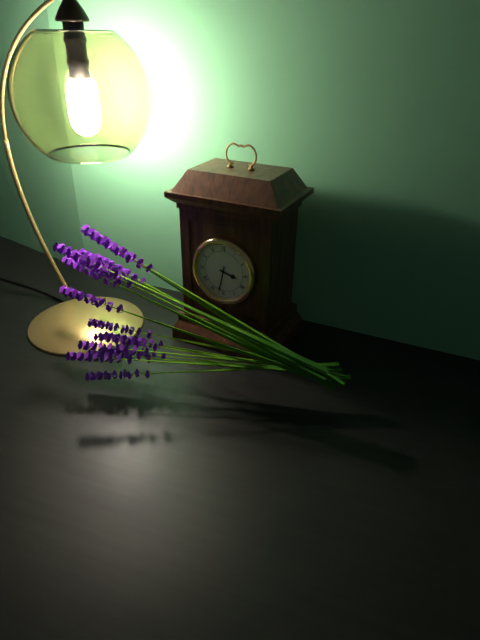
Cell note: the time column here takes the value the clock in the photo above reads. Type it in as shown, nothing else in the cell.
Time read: 3:32
